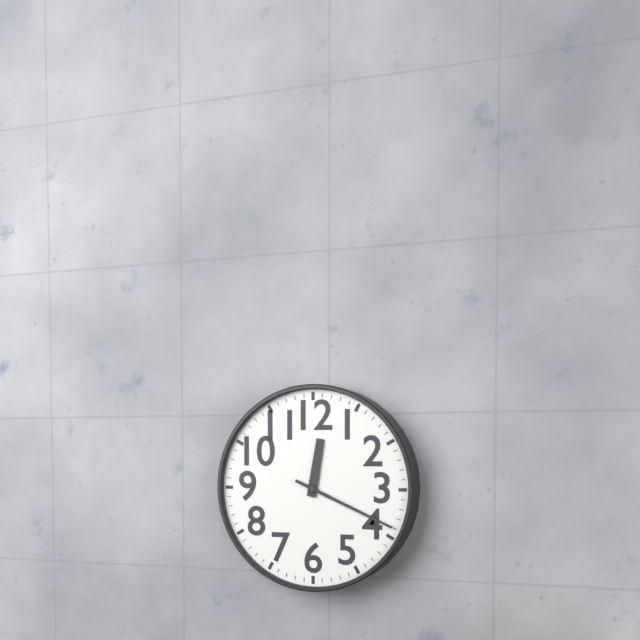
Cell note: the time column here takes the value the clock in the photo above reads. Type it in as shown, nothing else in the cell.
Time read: 12:19
